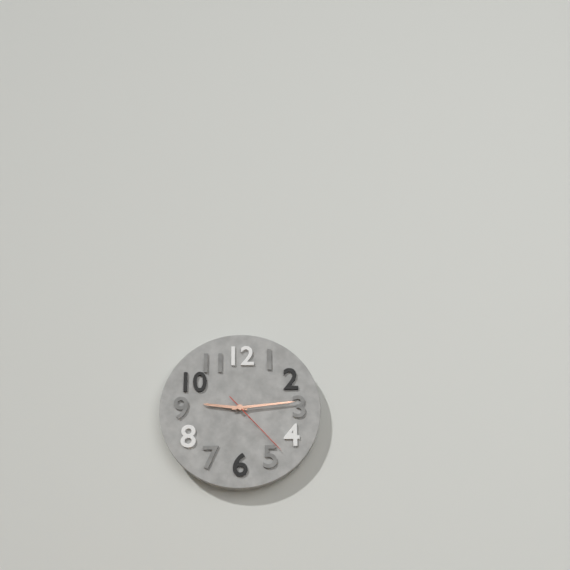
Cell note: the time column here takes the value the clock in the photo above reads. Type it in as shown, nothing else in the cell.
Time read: 9:14:23
